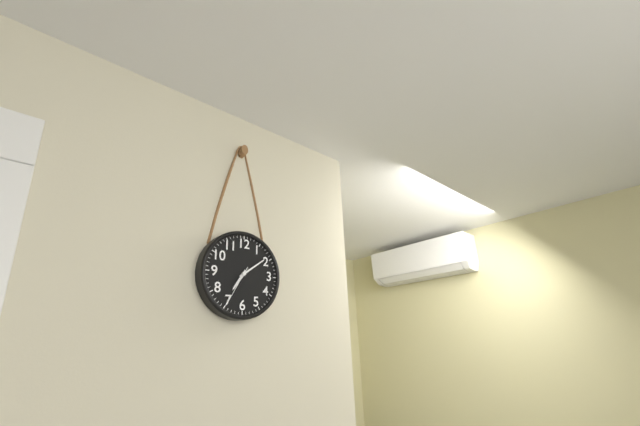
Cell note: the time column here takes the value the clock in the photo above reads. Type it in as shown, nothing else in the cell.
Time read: 7:09
